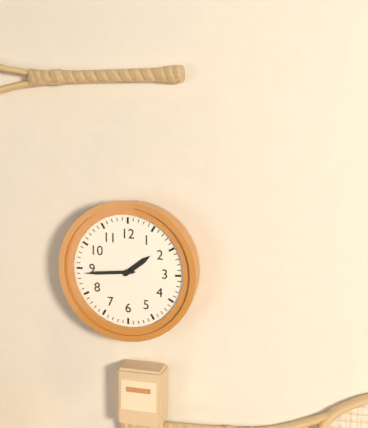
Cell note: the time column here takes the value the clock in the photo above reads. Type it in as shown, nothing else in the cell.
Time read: 1:44
